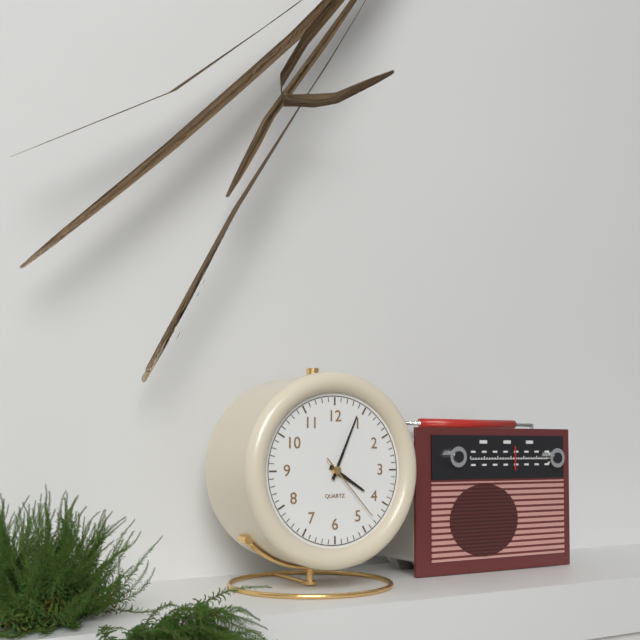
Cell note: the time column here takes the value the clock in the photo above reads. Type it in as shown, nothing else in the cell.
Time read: 4:04:23
